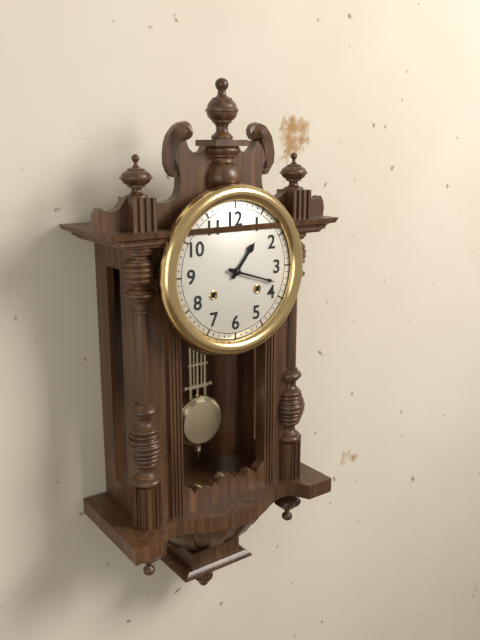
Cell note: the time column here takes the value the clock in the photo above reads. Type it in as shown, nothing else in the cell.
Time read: 1:18
